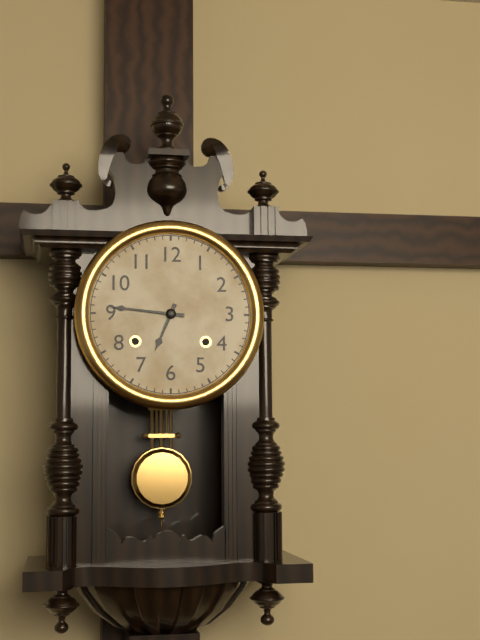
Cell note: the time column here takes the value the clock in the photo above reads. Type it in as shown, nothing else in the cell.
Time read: 6:46
